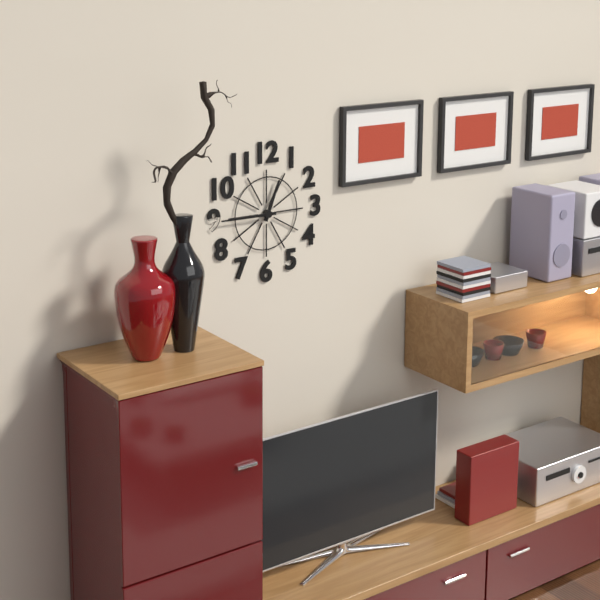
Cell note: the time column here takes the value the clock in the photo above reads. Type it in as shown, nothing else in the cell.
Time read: 12:45
